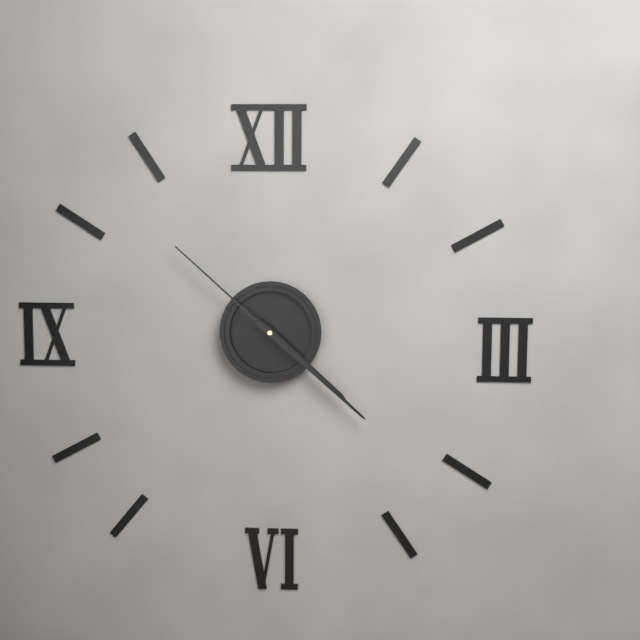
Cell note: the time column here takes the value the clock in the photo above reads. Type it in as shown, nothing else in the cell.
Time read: 4:22:52
